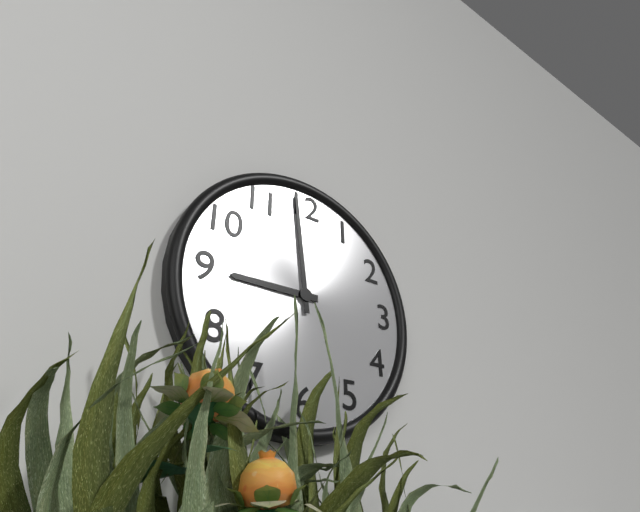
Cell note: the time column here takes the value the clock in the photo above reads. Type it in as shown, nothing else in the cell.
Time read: 8:59
